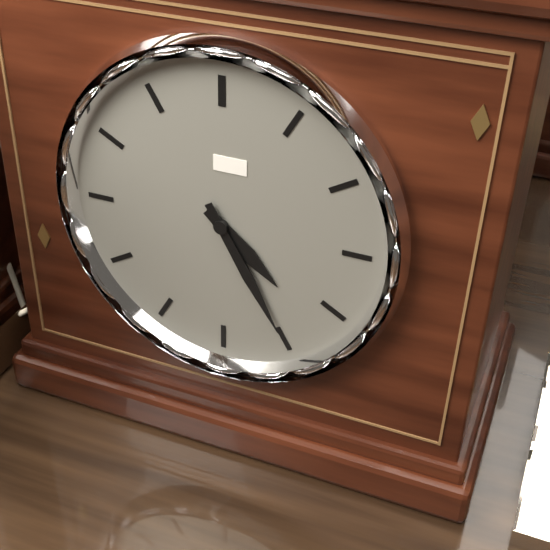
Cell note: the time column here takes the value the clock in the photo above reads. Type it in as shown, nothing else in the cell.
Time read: 4:25
